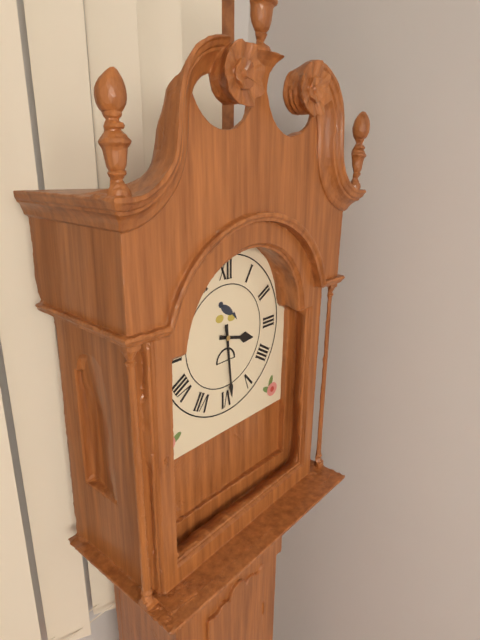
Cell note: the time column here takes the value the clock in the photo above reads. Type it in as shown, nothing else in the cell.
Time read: 3:29
